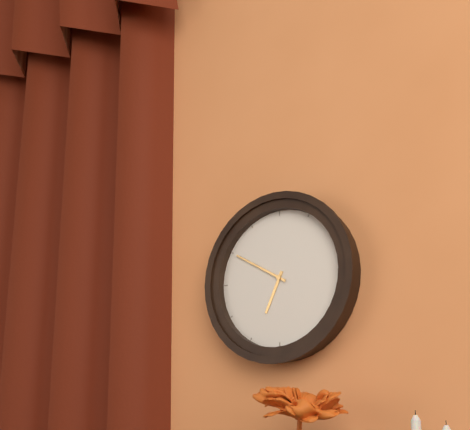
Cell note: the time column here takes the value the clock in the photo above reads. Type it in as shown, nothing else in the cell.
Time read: 6:50
